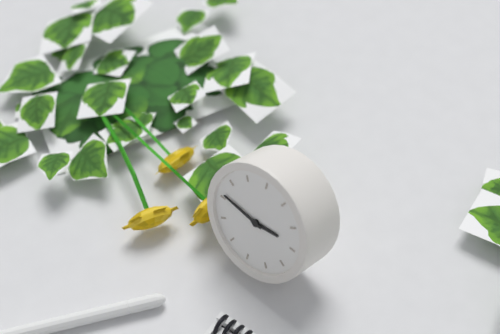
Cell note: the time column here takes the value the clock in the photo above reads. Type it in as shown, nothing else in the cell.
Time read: 2:46
